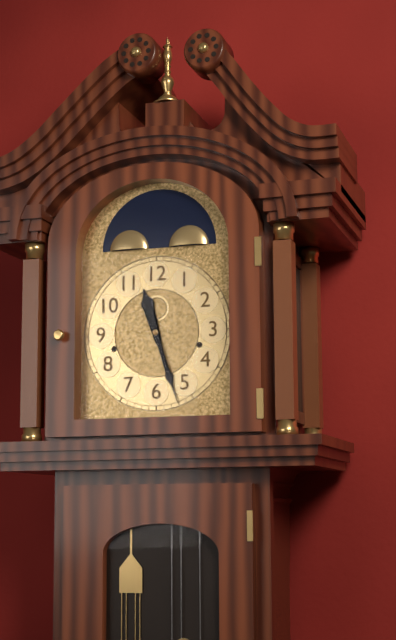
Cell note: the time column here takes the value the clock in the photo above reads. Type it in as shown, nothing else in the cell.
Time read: 11:27
